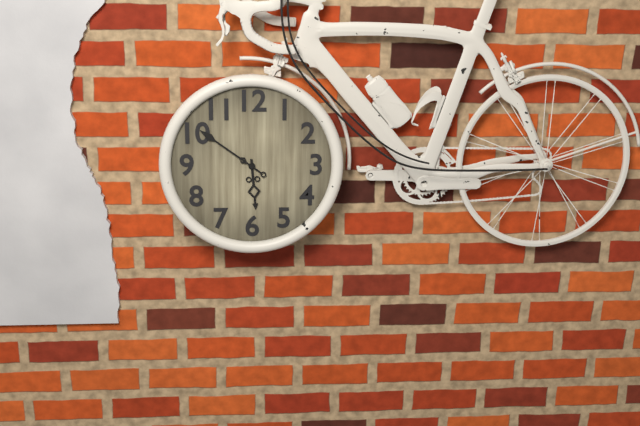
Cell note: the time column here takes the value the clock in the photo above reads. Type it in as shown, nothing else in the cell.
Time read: 5:51
